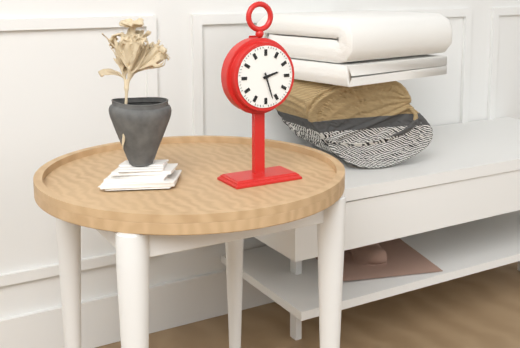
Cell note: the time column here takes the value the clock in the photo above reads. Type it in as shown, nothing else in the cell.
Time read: 2:27
